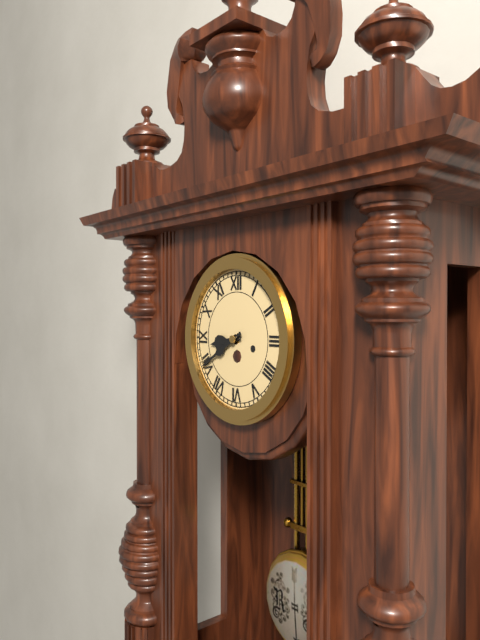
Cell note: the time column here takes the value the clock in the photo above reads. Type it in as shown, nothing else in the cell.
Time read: 8:40
